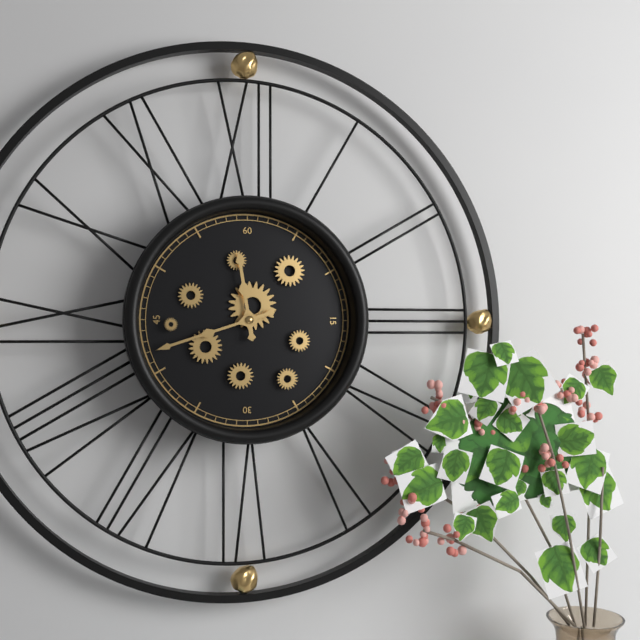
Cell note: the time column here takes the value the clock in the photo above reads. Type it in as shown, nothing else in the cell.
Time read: 11:42
